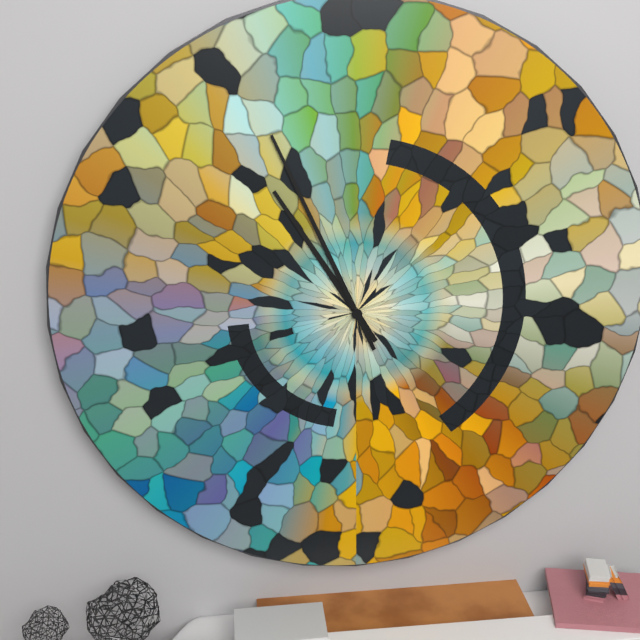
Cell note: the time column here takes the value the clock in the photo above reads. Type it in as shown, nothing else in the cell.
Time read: 10:56
